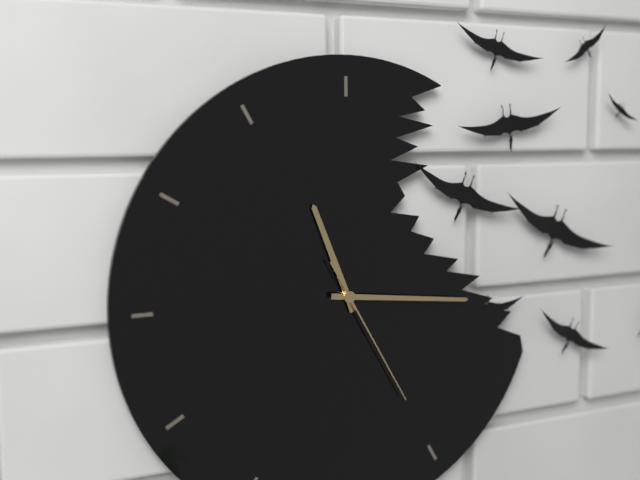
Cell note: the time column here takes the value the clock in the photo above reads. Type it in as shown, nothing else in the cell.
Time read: 11:16:25
